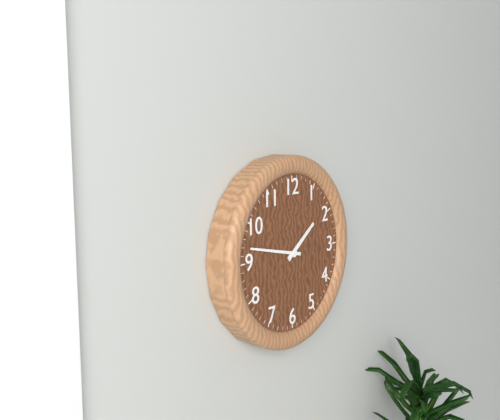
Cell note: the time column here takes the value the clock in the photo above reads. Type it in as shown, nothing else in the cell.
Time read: 1:47
